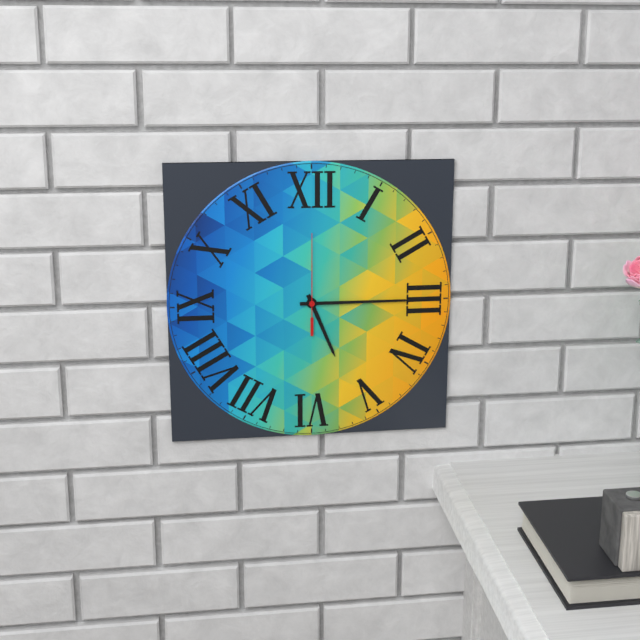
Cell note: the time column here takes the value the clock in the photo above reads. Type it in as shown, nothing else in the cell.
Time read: 5:15:00
